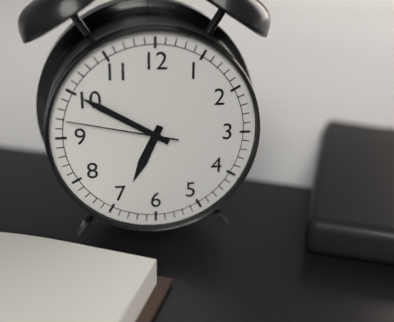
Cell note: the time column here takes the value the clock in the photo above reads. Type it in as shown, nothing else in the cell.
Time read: 6:50:47
